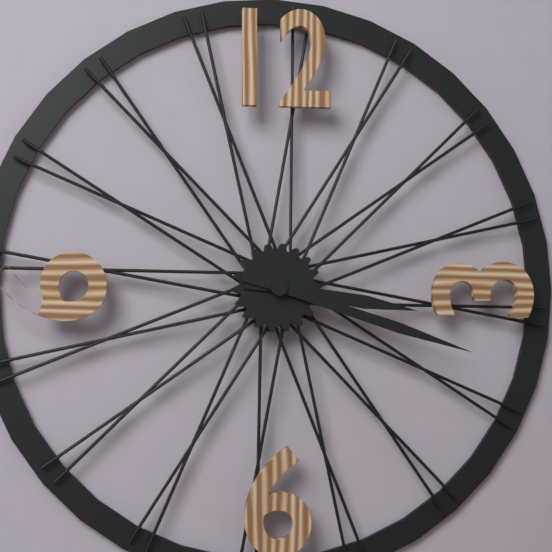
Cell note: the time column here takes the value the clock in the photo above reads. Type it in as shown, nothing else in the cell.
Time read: 3:18
